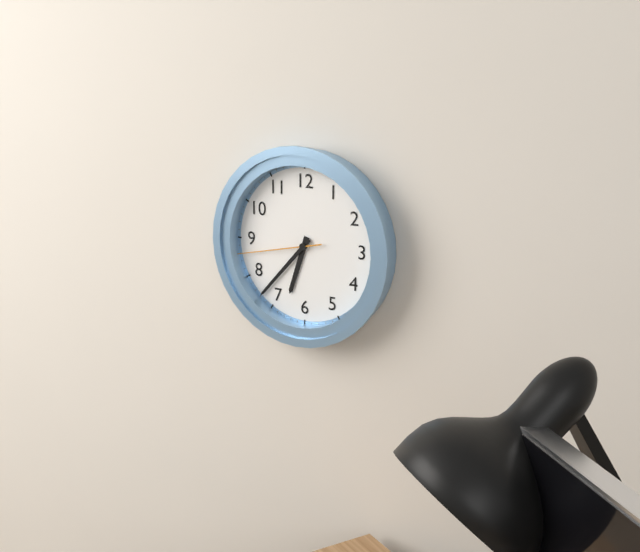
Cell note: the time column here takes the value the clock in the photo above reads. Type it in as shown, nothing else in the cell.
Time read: 6:37:43
